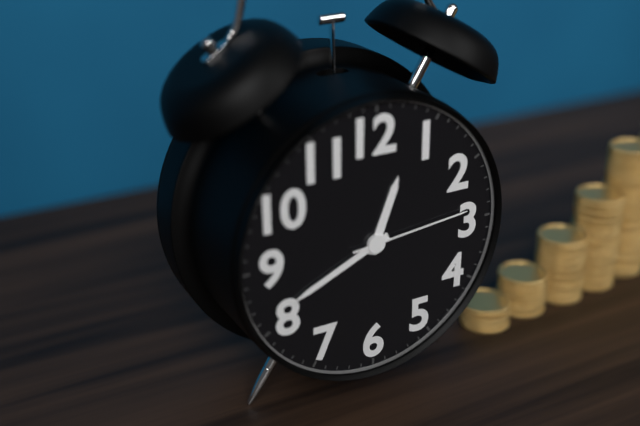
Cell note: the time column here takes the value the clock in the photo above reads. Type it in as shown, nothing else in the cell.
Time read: 12:41:14
